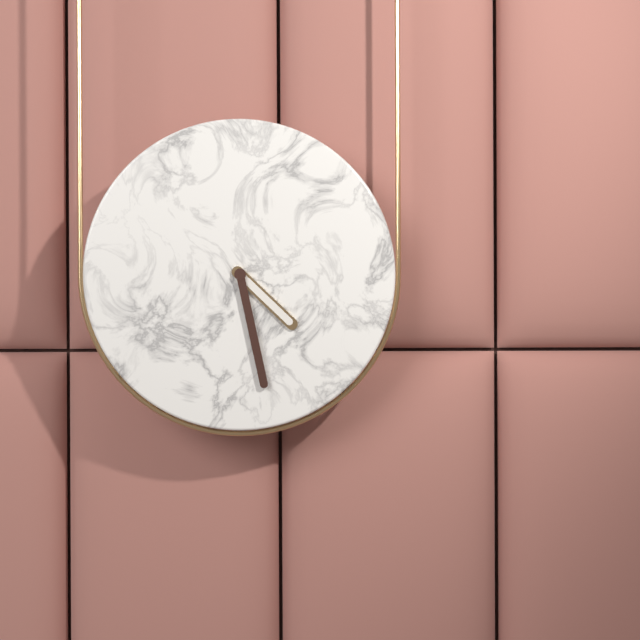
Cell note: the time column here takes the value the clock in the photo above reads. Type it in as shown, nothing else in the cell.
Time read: 4:28
